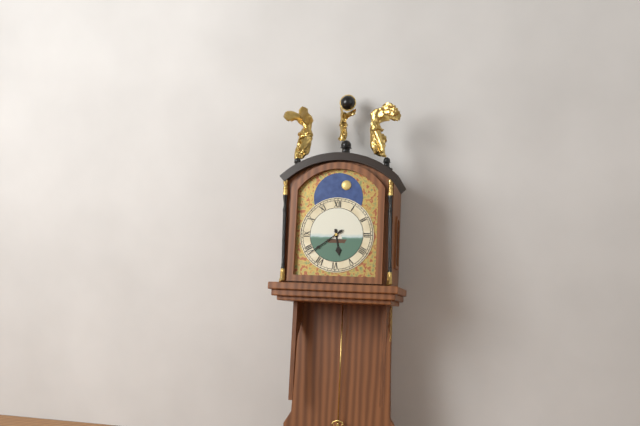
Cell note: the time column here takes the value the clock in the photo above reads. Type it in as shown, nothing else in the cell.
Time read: 5:39
